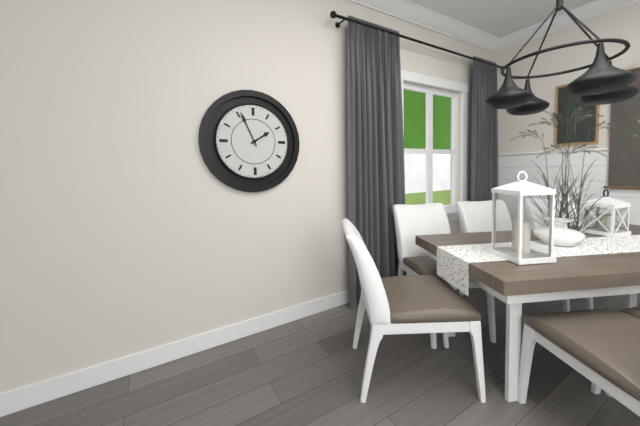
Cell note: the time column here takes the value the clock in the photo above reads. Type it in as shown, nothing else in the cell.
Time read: 1:56
